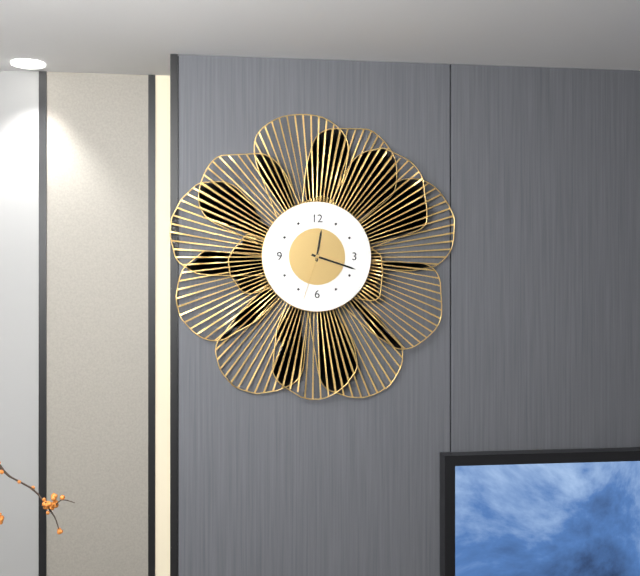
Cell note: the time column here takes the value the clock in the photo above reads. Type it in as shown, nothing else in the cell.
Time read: 12:18:33
